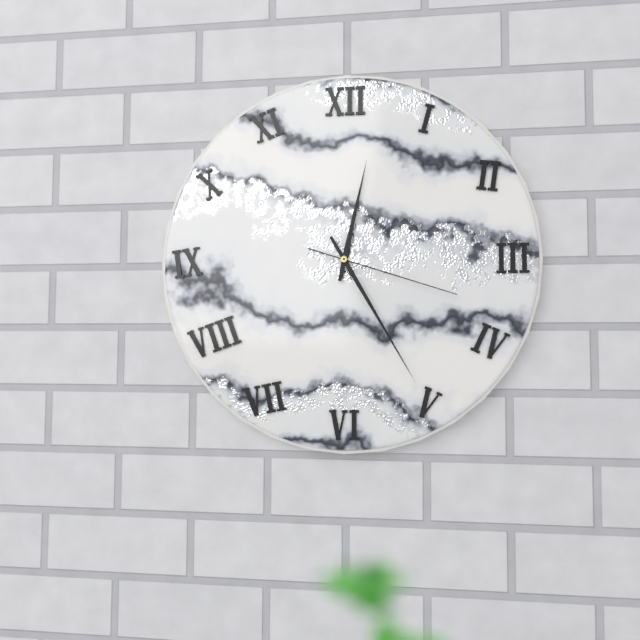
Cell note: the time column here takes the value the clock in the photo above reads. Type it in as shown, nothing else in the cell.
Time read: 12:25:18
